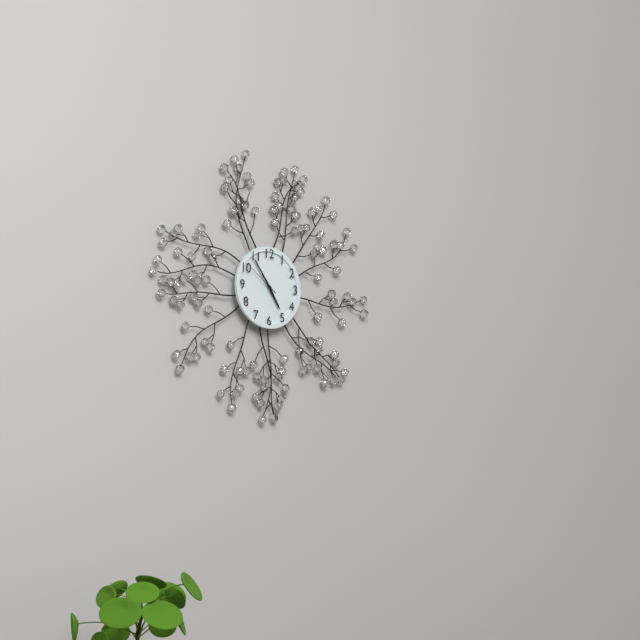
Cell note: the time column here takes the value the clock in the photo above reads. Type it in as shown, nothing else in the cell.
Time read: 4:54
